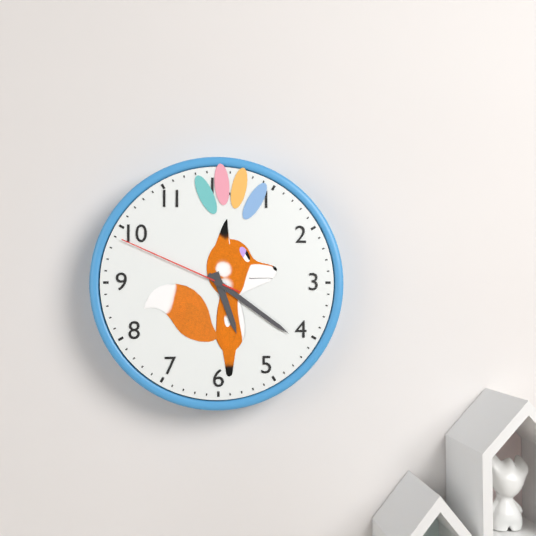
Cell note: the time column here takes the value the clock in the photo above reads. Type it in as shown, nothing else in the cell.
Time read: 5:21:49
